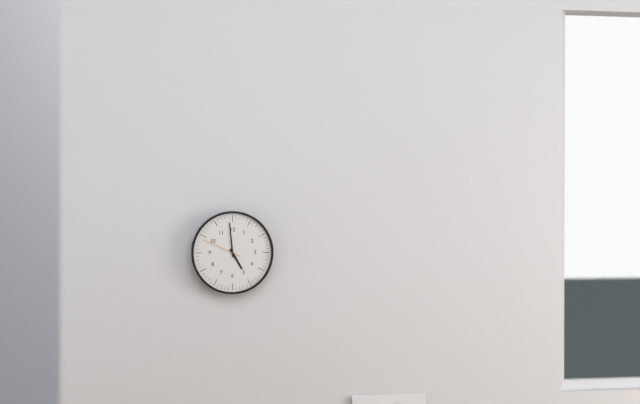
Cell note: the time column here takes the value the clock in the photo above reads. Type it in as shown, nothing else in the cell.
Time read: 4:59
